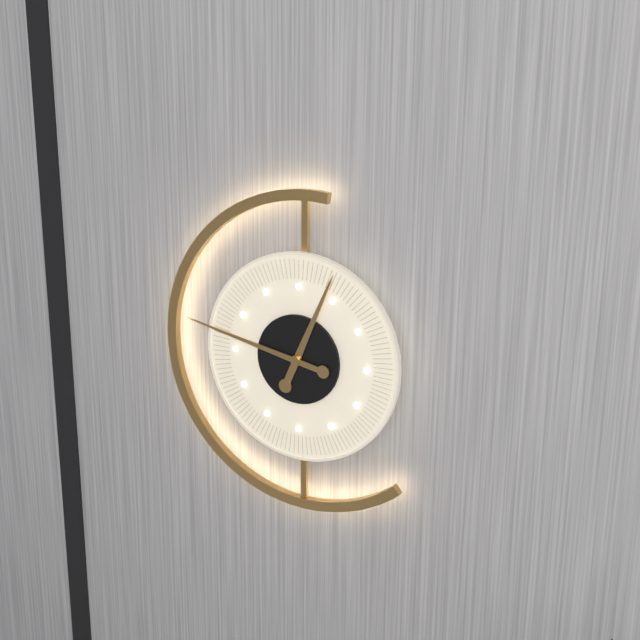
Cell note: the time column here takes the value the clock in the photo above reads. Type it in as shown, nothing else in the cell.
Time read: 12:47
